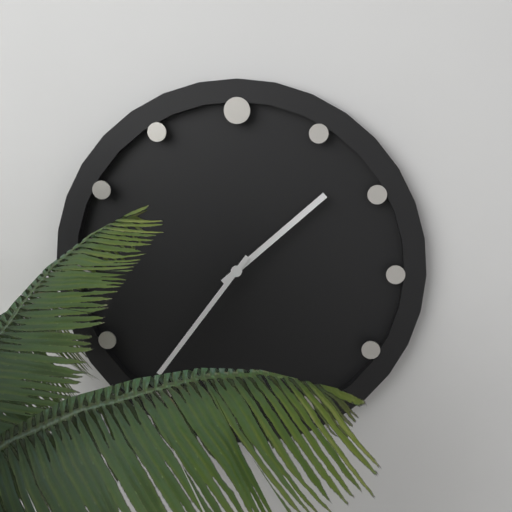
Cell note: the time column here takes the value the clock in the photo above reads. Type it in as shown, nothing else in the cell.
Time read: 1:36
